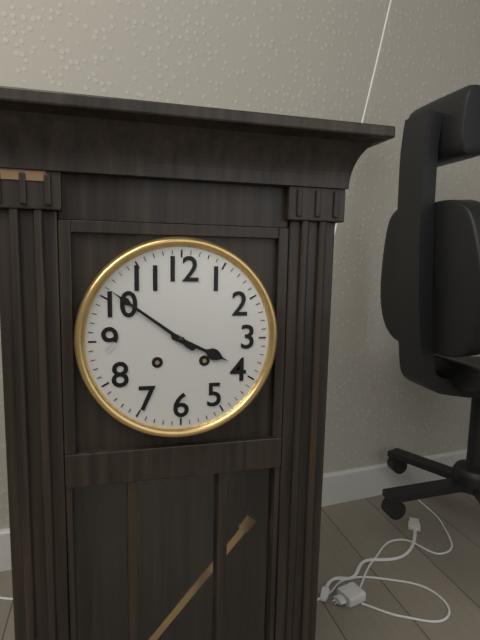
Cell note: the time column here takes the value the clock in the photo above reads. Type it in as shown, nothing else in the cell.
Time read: 3:51
